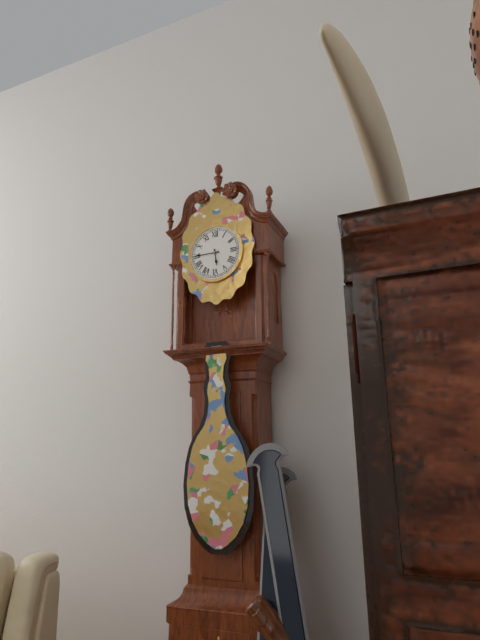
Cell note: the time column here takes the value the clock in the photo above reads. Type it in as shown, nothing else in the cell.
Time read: 5:45
